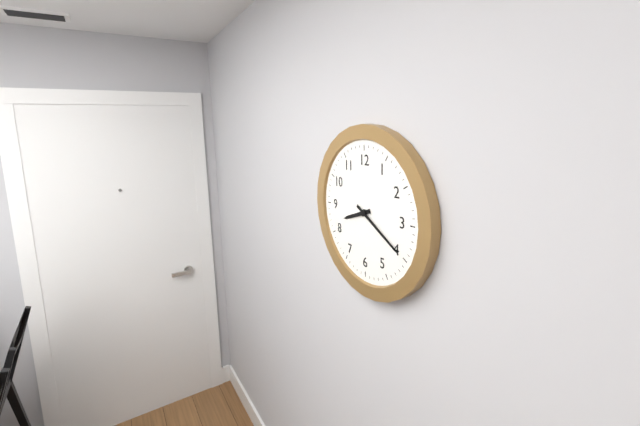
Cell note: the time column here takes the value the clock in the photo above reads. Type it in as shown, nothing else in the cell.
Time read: 8:20
